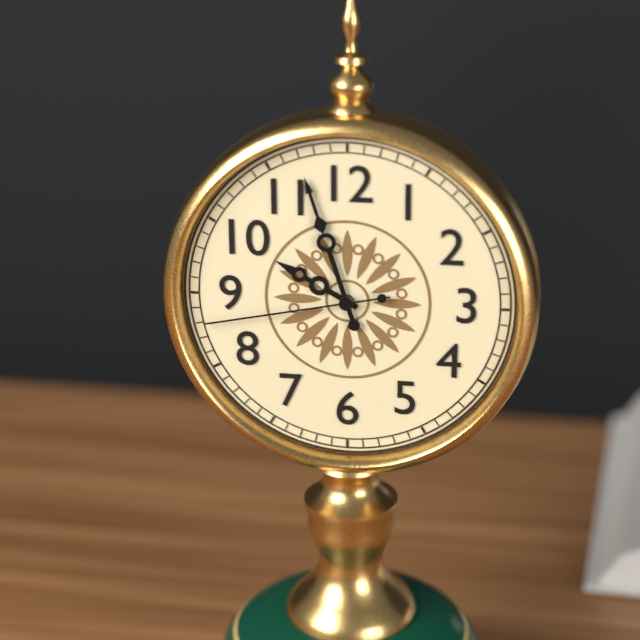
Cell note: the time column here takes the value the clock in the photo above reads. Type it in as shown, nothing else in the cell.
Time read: 9:57:43
